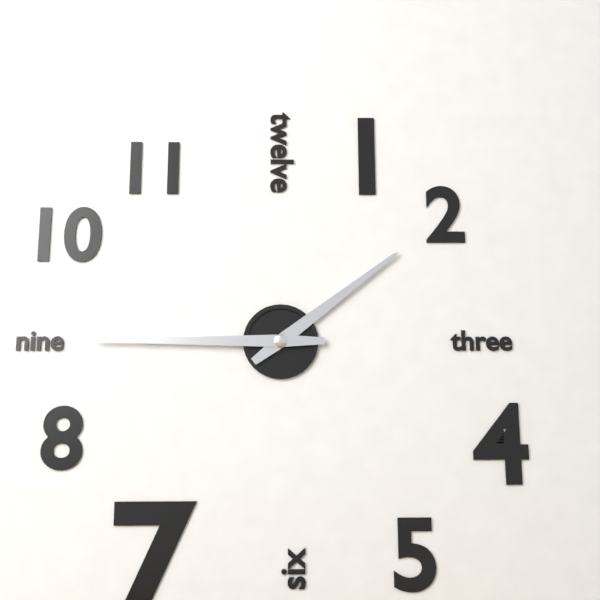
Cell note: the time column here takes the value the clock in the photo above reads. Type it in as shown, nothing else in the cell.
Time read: 1:45
